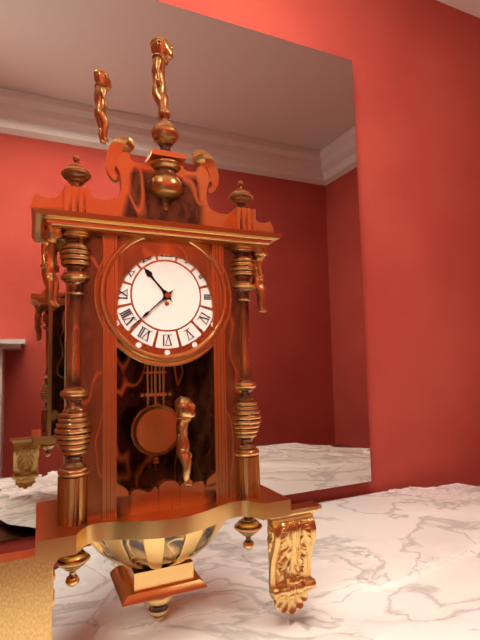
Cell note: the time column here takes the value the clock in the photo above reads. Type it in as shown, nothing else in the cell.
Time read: 10:38
